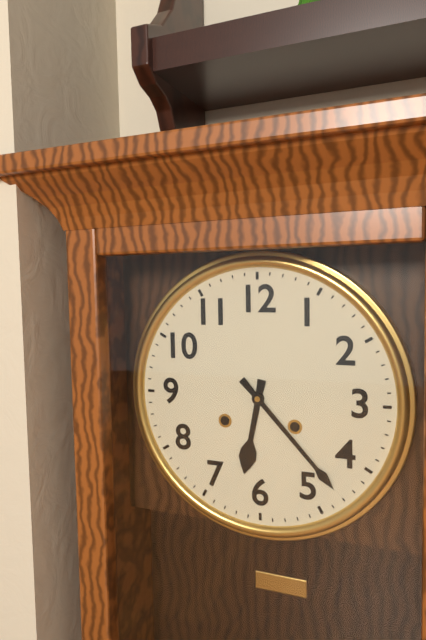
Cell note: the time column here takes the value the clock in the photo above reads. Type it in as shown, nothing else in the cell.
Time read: 6:23
